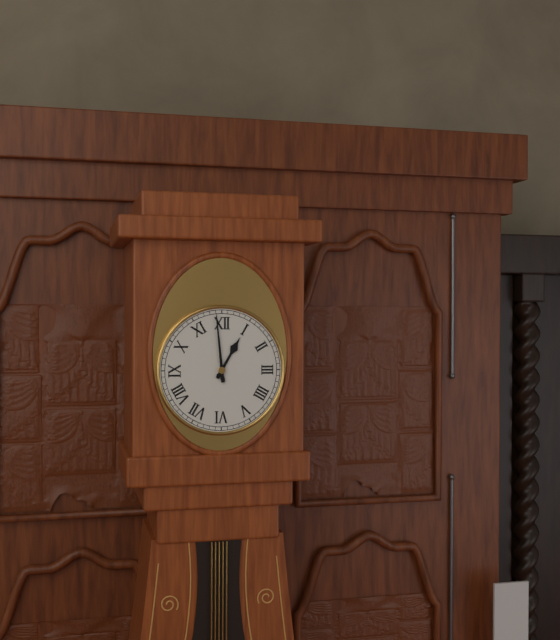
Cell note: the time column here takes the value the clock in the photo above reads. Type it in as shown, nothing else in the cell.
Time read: 12:59
